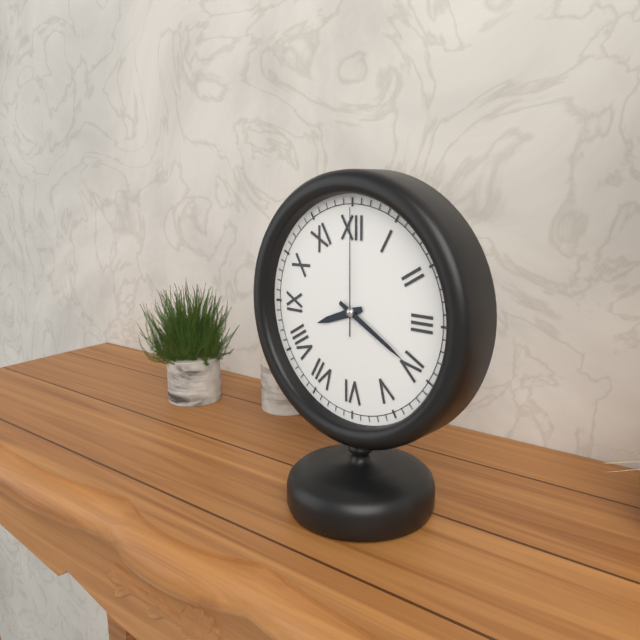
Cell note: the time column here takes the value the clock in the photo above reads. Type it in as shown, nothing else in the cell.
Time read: 8:20:00
